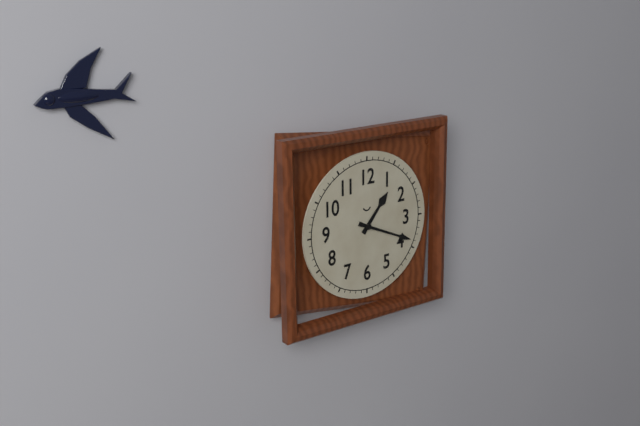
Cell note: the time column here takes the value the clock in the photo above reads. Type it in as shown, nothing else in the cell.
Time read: 1:19
